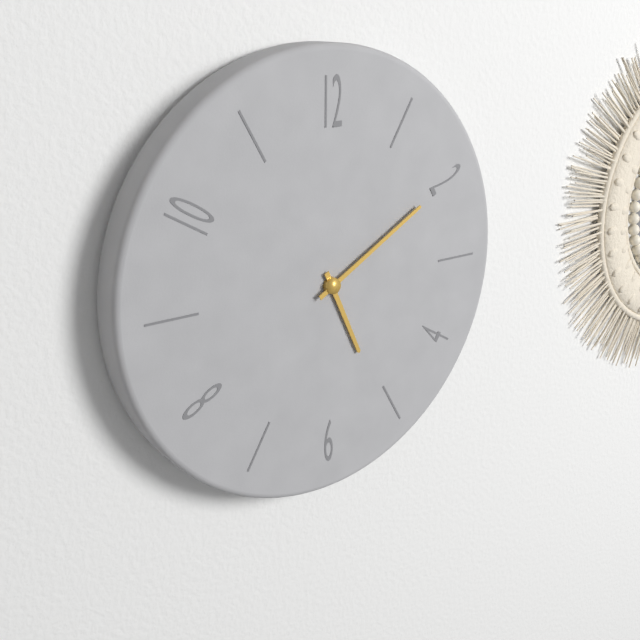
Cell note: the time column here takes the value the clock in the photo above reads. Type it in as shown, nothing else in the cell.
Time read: 5:10
